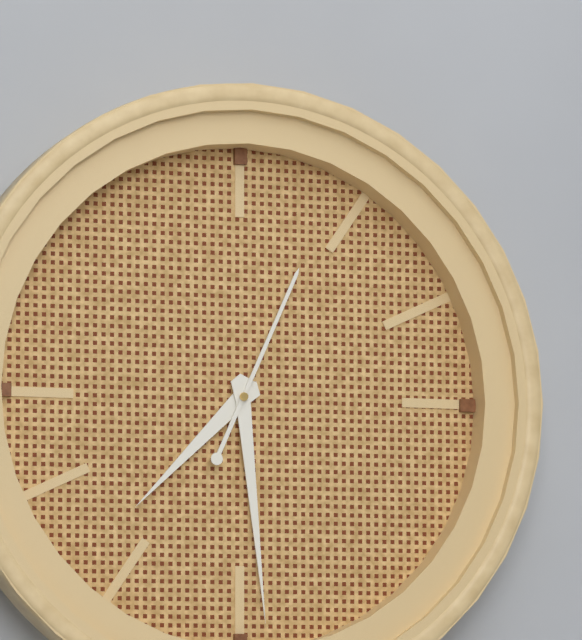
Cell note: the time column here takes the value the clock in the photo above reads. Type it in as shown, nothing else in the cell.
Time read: 7:29:04
